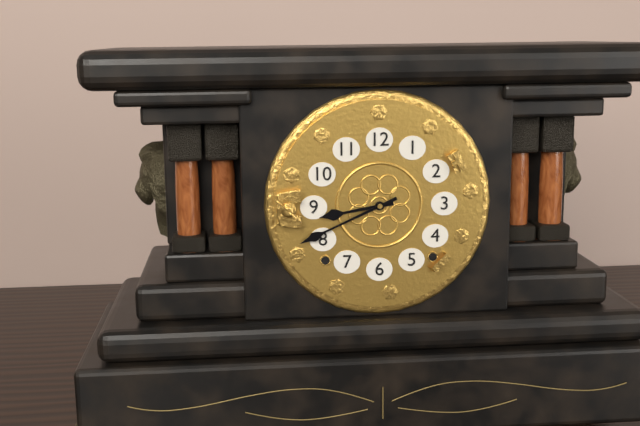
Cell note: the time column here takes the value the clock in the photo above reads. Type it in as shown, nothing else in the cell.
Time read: 8:41
